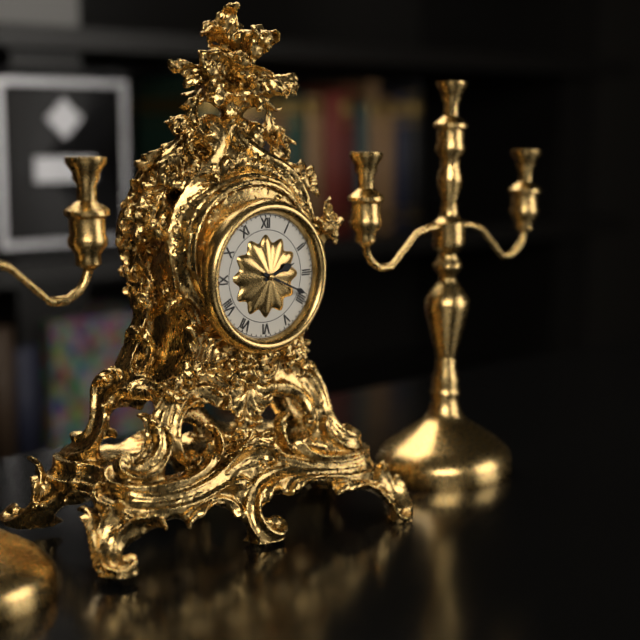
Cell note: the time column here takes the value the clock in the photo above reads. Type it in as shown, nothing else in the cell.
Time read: 2:19
